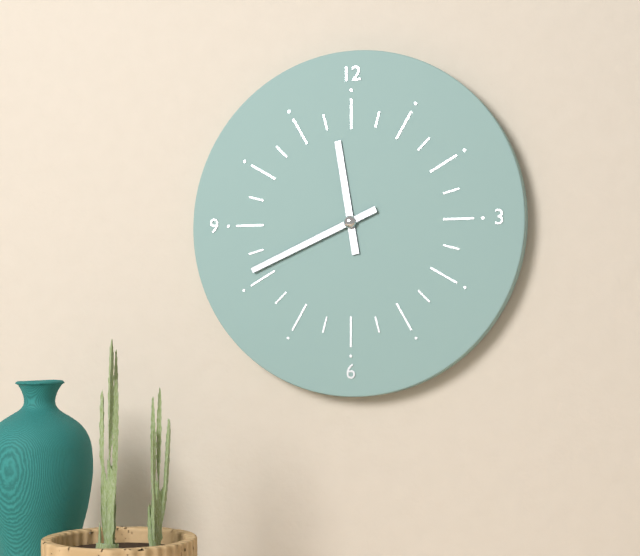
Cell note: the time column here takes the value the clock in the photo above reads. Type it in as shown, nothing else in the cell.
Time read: 11:41
